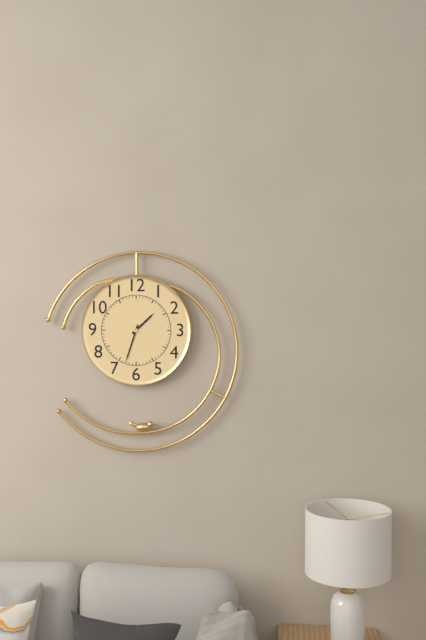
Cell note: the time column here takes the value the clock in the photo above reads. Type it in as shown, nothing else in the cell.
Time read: 1:33
